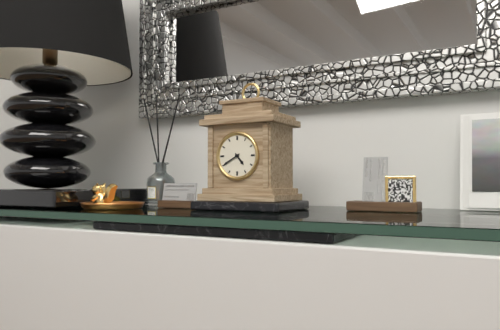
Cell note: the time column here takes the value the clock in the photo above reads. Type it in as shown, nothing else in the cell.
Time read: 4:40
